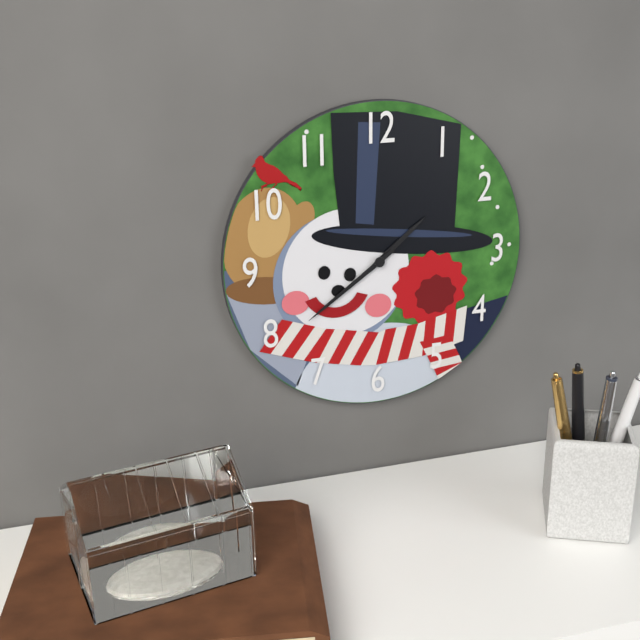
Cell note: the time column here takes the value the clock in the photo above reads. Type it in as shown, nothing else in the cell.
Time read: 1:39
